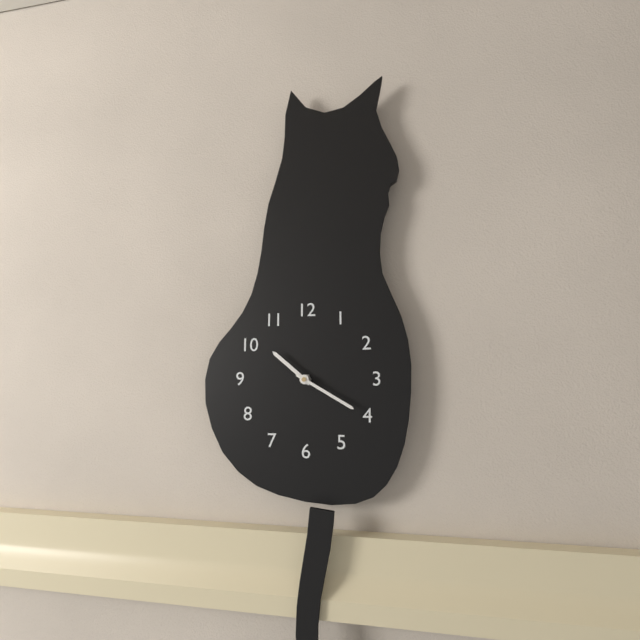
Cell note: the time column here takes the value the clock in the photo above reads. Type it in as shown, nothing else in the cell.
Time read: 10:20
